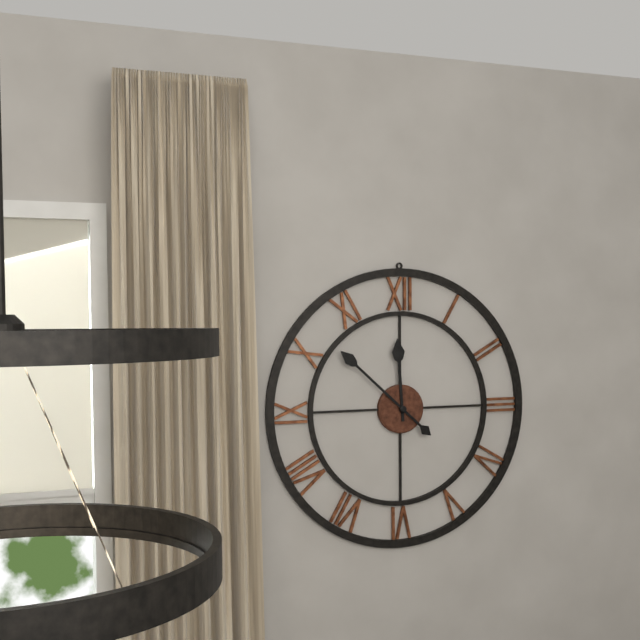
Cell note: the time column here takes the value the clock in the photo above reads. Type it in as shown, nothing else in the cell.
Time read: 11:52
